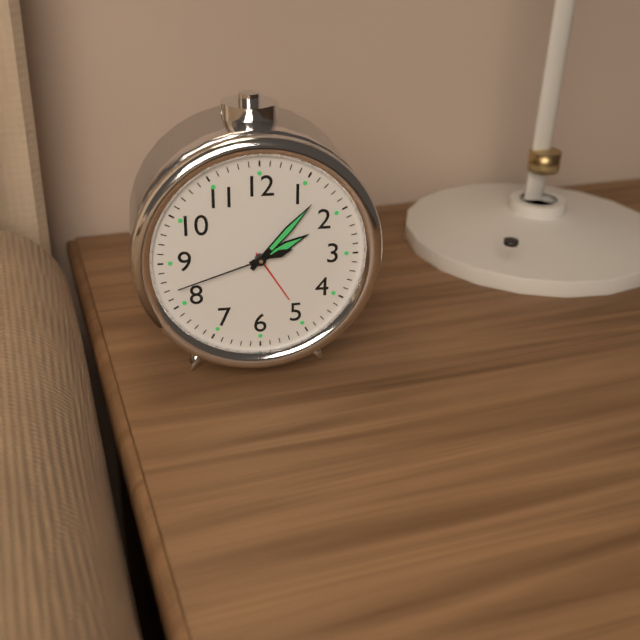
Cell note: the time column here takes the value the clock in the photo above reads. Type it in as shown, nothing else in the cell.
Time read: 2:07:42
